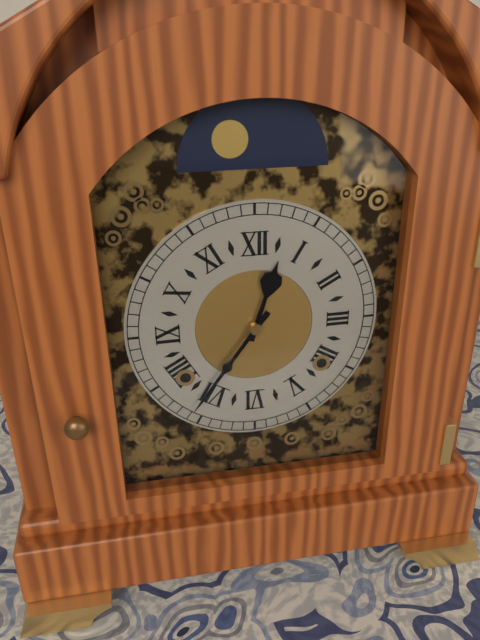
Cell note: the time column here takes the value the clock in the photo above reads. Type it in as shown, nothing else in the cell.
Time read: 12:36
